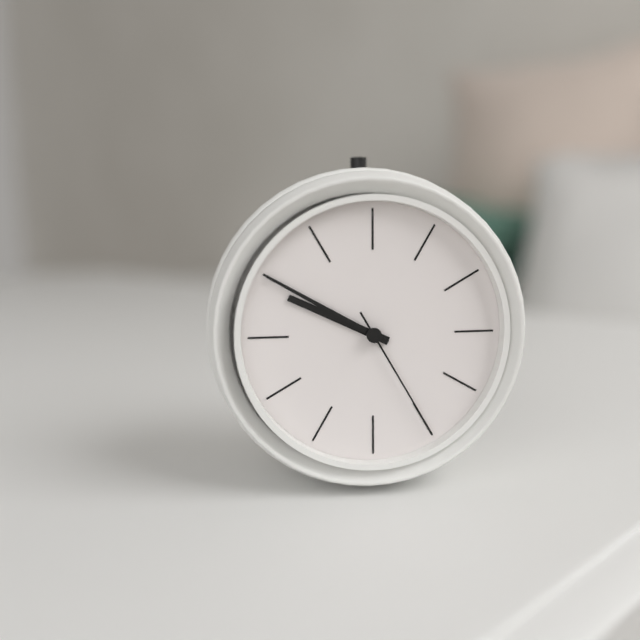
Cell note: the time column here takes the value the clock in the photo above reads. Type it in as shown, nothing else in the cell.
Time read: 9:50:25
